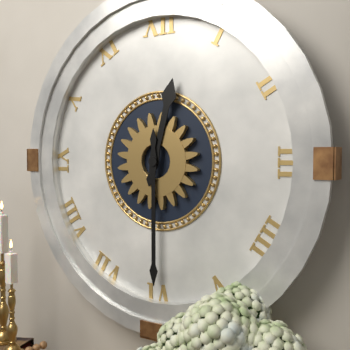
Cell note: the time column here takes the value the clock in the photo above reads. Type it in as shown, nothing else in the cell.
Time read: 12:30
